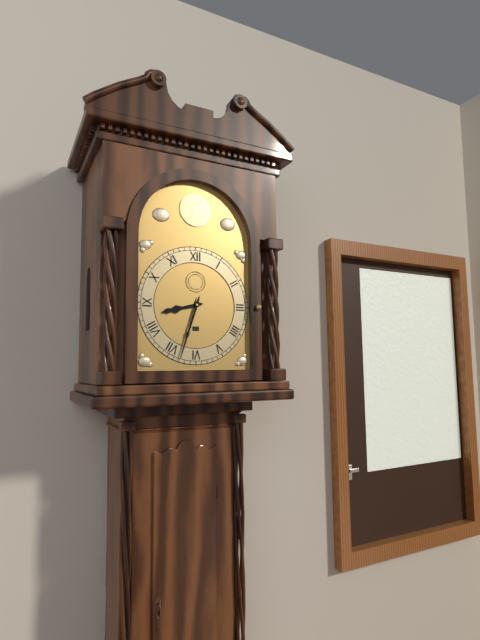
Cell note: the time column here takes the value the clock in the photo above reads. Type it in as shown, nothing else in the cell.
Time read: 8:33
